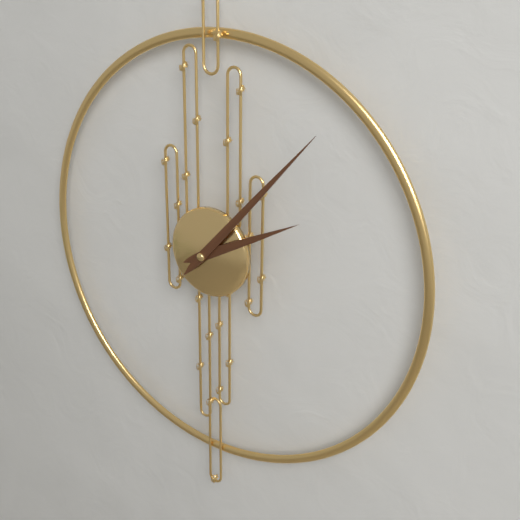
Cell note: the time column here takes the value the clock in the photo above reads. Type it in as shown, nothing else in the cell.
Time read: 2:07
